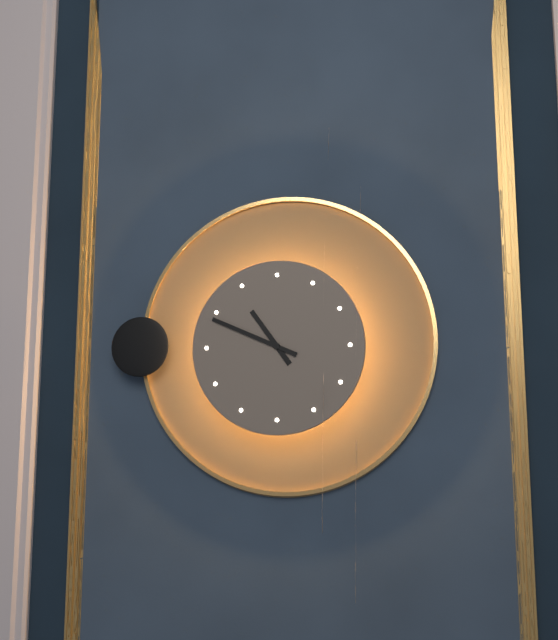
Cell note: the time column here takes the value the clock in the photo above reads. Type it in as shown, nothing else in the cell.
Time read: 10:49
